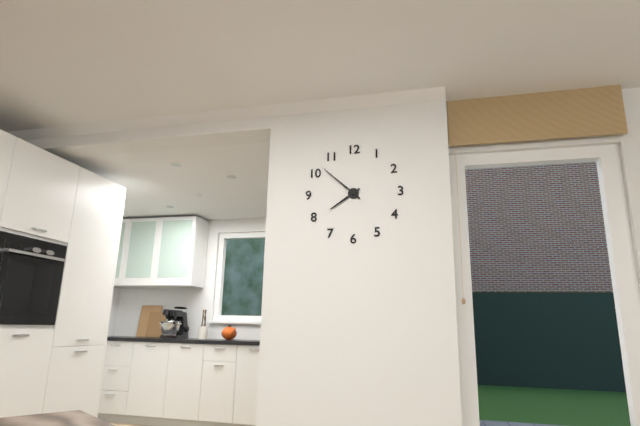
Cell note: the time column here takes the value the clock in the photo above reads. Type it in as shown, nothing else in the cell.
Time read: 7:52
